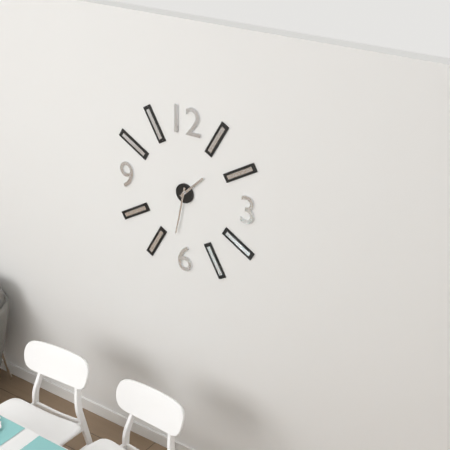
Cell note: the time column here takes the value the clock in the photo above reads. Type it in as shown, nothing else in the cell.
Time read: 1:32
